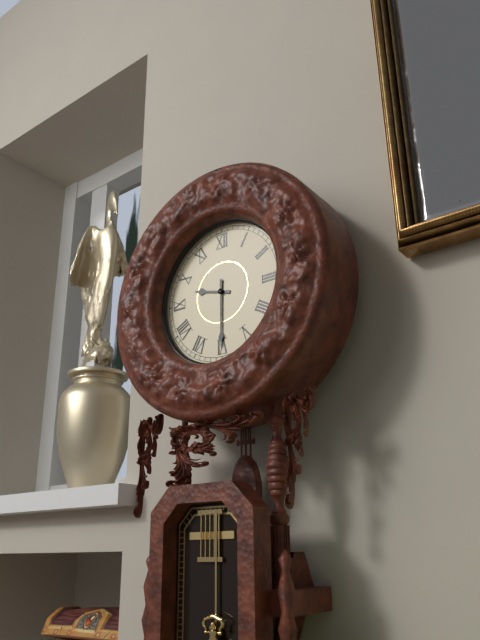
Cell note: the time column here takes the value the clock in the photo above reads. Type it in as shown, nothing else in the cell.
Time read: 9:30
